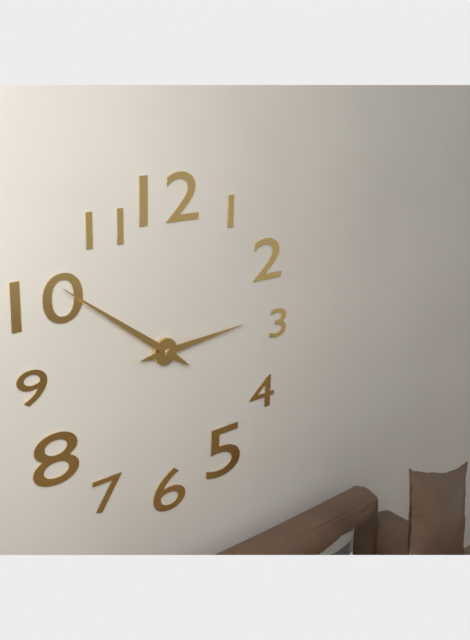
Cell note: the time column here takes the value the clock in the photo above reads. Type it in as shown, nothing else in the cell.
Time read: 2:51
